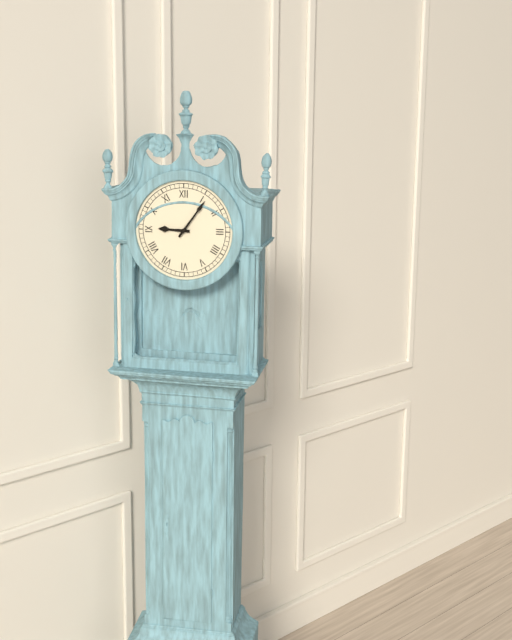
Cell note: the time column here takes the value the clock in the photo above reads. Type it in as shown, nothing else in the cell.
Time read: 9:06
